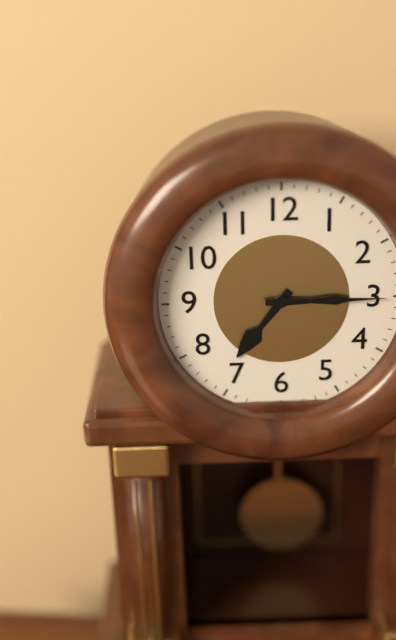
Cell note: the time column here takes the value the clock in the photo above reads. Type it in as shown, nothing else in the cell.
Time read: 7:15
